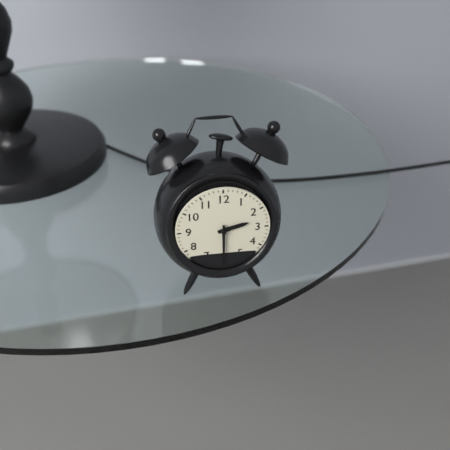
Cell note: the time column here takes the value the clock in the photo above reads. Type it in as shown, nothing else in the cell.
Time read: 2:30
